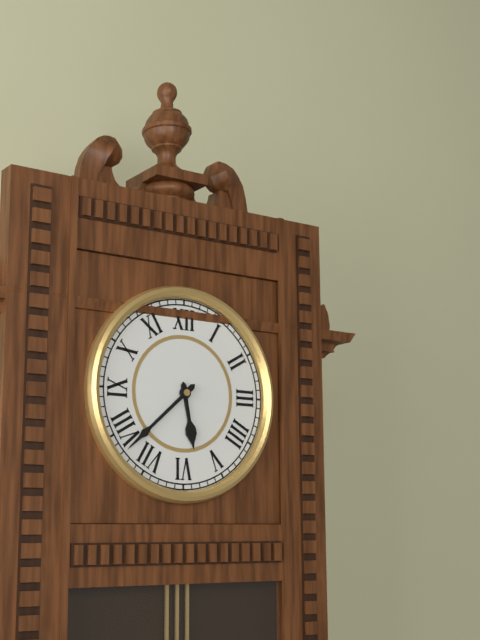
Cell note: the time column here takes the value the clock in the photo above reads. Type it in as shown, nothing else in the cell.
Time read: 5:38
